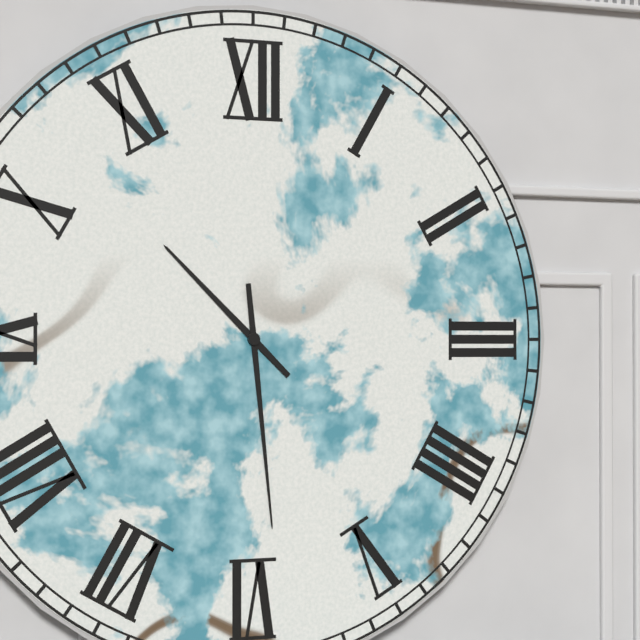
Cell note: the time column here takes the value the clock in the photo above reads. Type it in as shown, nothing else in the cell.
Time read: 10:29
